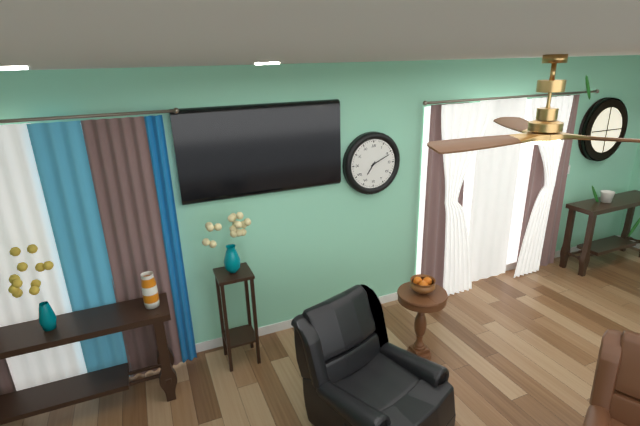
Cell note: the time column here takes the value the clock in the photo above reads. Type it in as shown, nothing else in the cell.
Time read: 7:11
